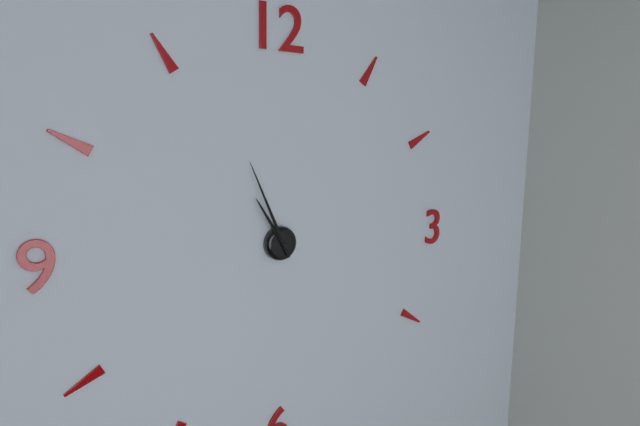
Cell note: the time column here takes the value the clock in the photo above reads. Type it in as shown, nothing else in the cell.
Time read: 10:56
